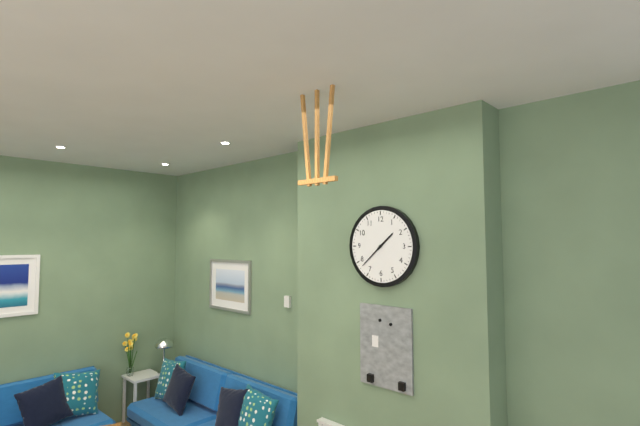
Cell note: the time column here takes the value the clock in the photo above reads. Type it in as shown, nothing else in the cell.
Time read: 1:38
